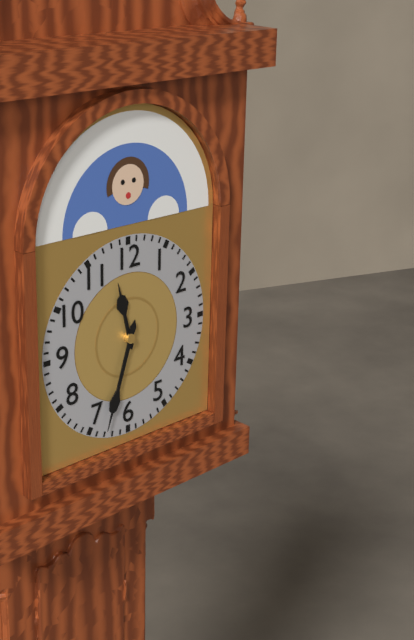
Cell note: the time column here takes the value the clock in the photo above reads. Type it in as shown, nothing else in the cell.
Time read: 11:33
